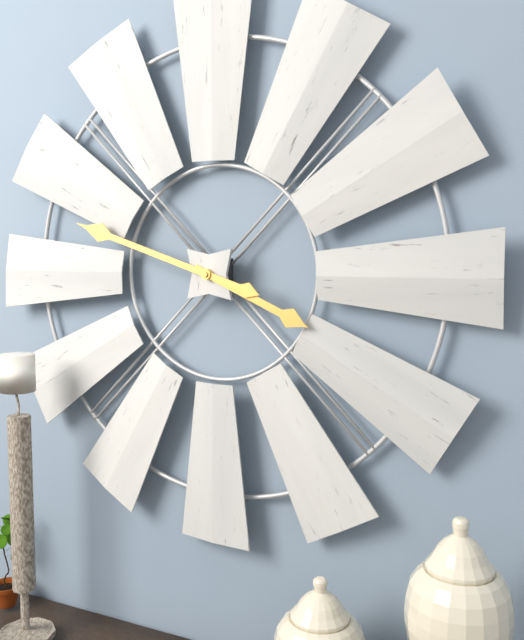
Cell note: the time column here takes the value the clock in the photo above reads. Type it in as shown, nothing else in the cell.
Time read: 3:48
